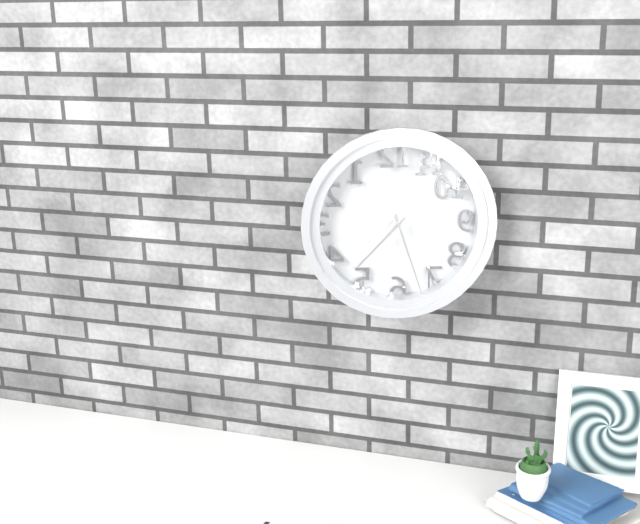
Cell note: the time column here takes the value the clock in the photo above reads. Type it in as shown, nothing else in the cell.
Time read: 7:27
